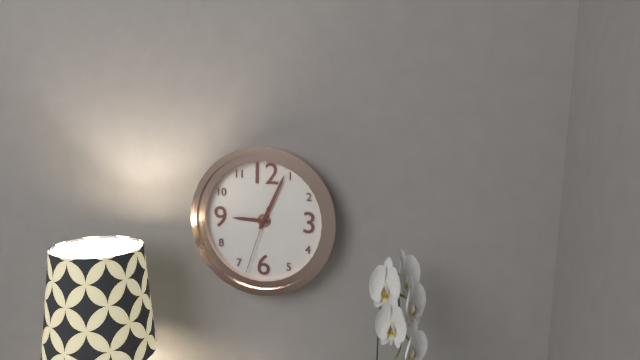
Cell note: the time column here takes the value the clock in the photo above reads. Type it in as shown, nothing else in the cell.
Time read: 9:04:33
